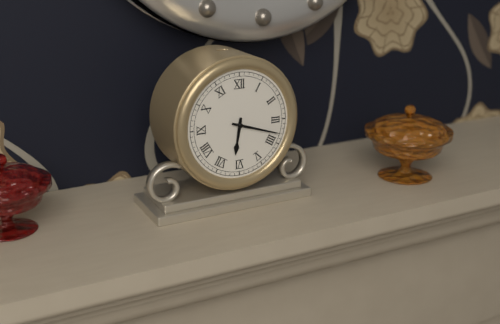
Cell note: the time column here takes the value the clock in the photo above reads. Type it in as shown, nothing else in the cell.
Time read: 6:18
